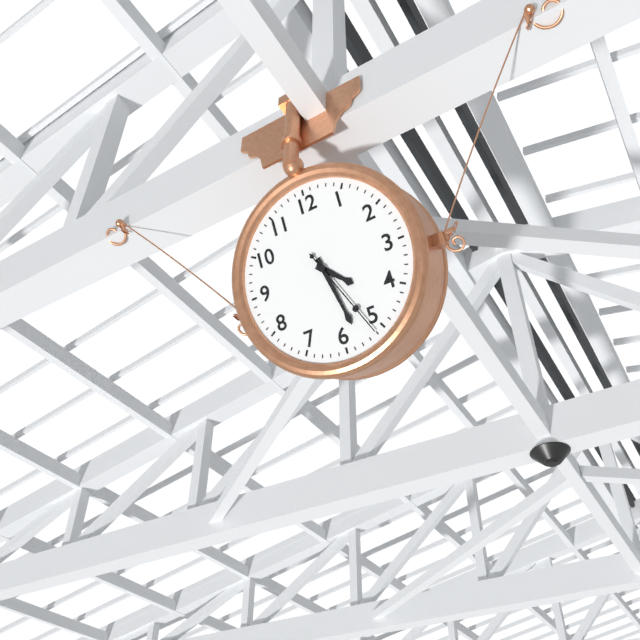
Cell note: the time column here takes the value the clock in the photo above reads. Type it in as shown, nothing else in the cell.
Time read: 4:28:26
